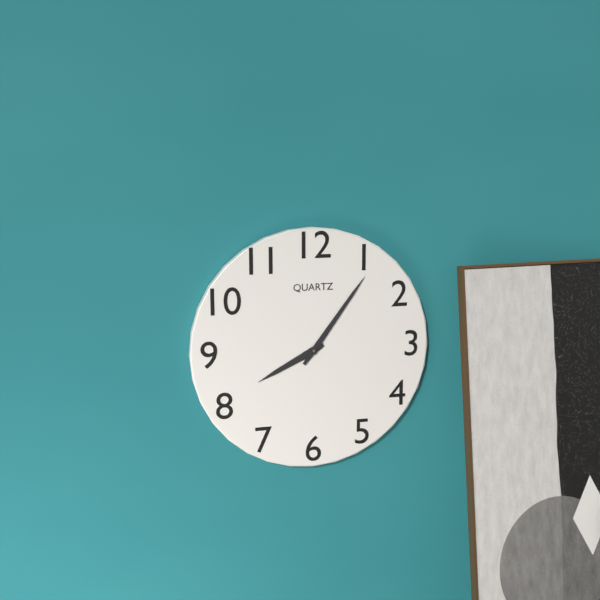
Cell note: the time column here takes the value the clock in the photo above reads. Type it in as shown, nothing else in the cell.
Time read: 8:06
